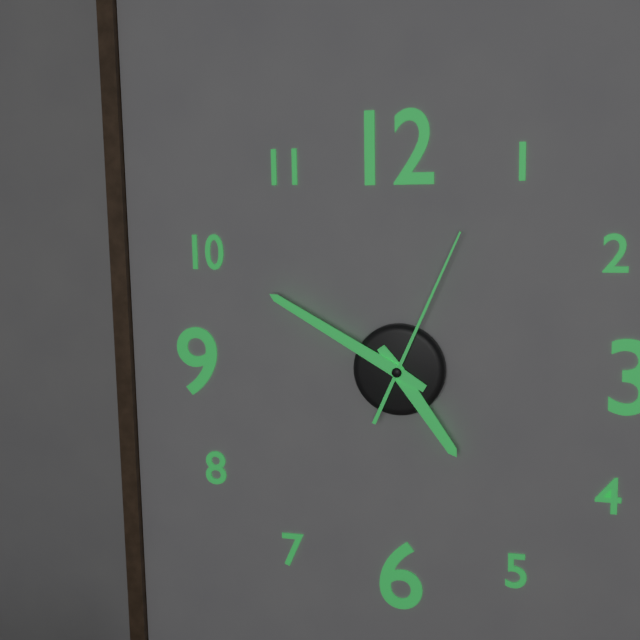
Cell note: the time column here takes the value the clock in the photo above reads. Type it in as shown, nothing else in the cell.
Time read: 4:50:04
